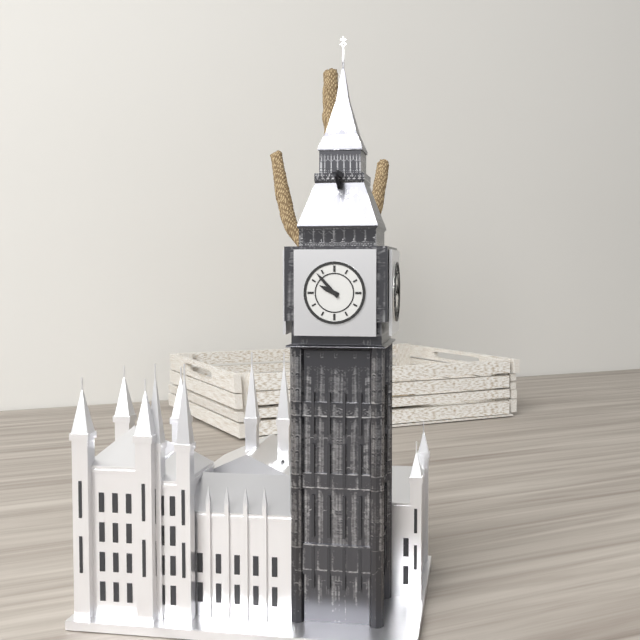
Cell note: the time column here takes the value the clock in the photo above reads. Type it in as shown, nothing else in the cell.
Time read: 9:53
